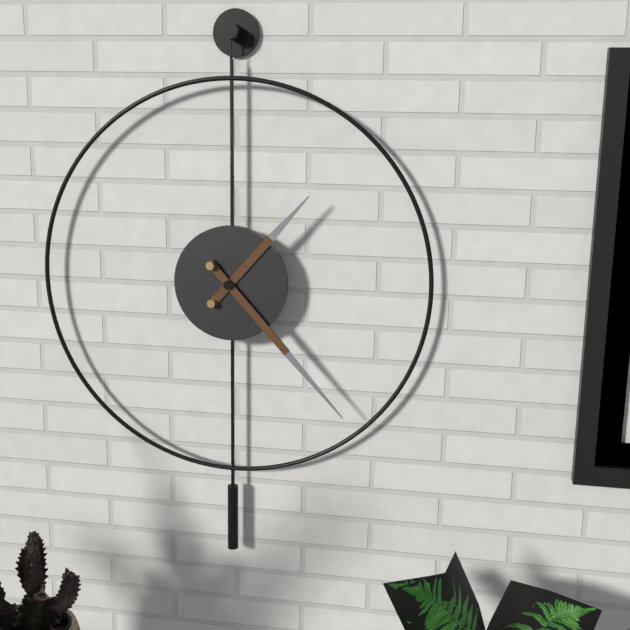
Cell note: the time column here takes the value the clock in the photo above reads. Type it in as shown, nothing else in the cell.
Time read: 1:23
